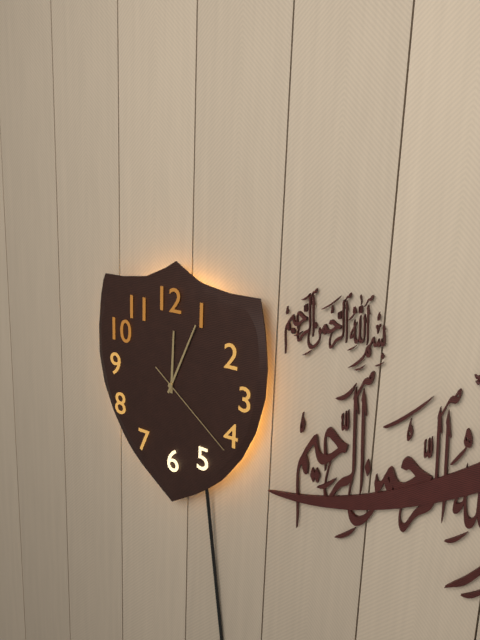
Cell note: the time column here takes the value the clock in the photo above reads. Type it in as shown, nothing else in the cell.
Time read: 12:04:21
